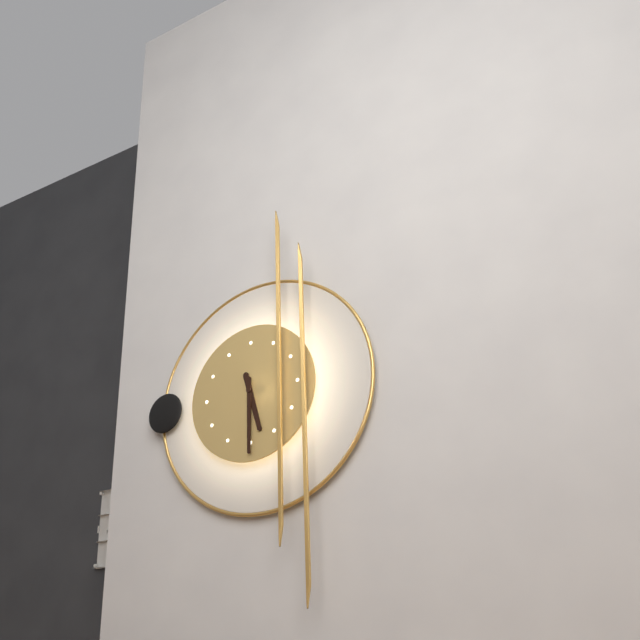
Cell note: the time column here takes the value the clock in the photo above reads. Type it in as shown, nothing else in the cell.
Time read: 5:30
